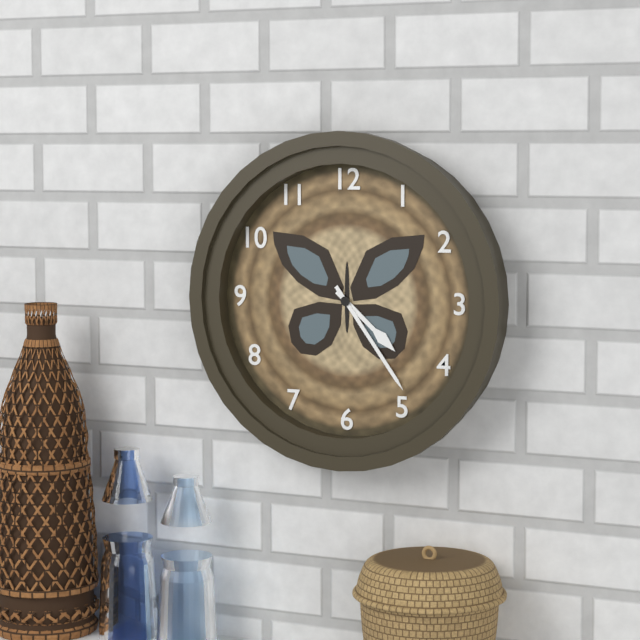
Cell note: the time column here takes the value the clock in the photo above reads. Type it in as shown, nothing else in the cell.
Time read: 4:24
